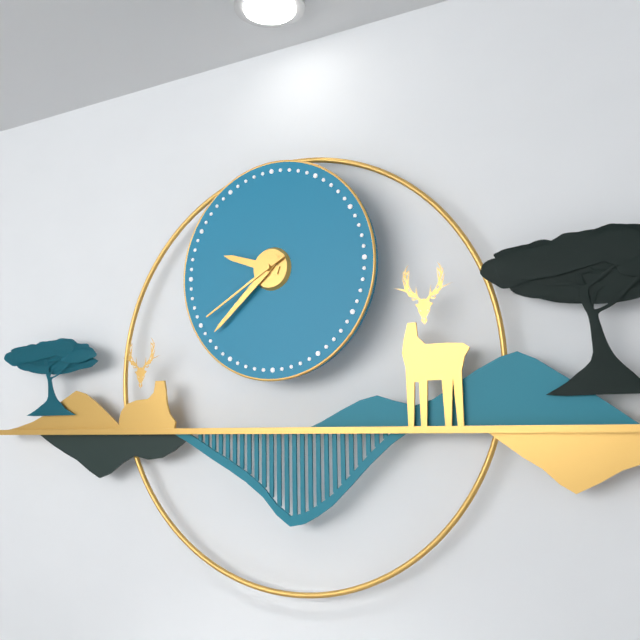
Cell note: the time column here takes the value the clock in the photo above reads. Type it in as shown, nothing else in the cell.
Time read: 9:38:40
